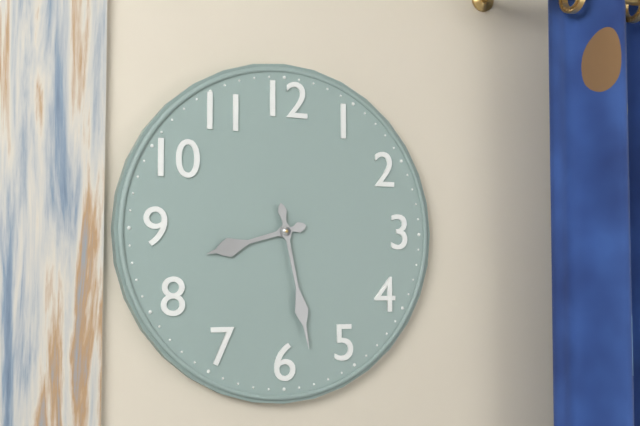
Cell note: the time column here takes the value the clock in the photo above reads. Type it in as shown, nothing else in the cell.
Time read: 8:28
